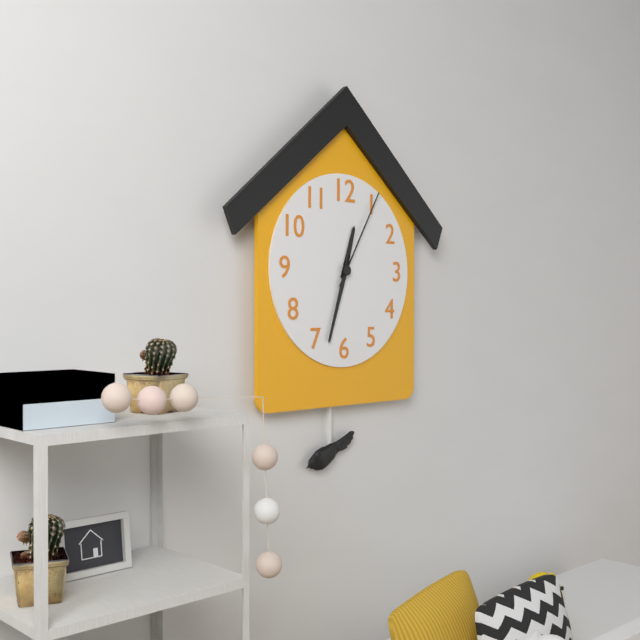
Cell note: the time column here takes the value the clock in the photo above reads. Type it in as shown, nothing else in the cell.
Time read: 12:33:05
